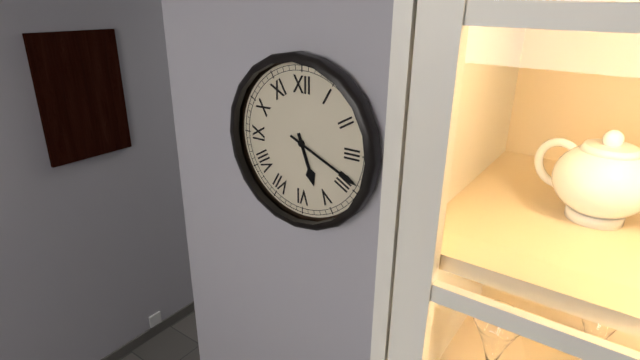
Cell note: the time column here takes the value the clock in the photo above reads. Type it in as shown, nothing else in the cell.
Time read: 5:19
